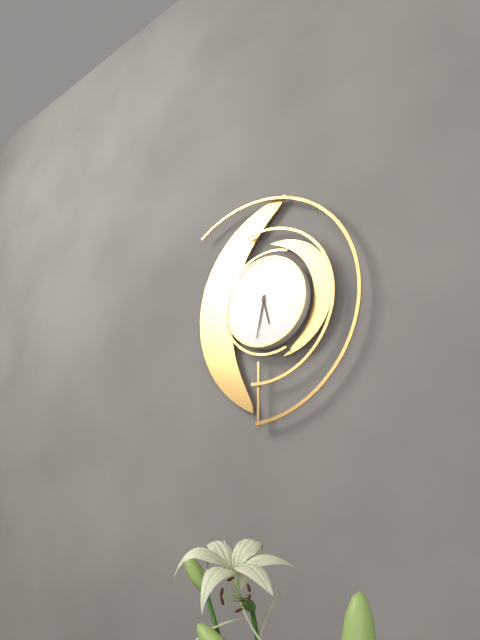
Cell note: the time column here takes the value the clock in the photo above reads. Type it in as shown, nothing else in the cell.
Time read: 5:32
